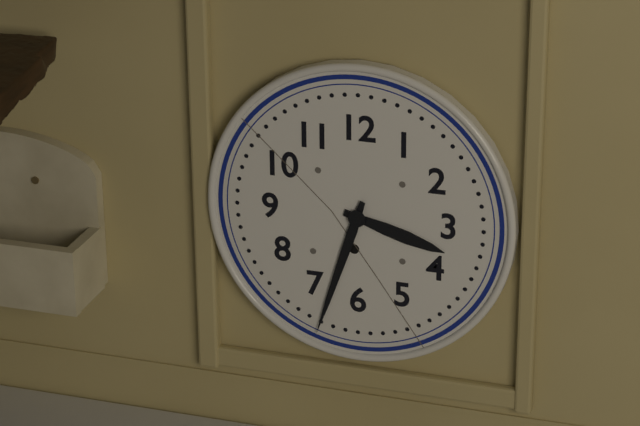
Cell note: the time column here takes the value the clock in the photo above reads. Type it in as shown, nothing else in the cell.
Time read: 3:33
